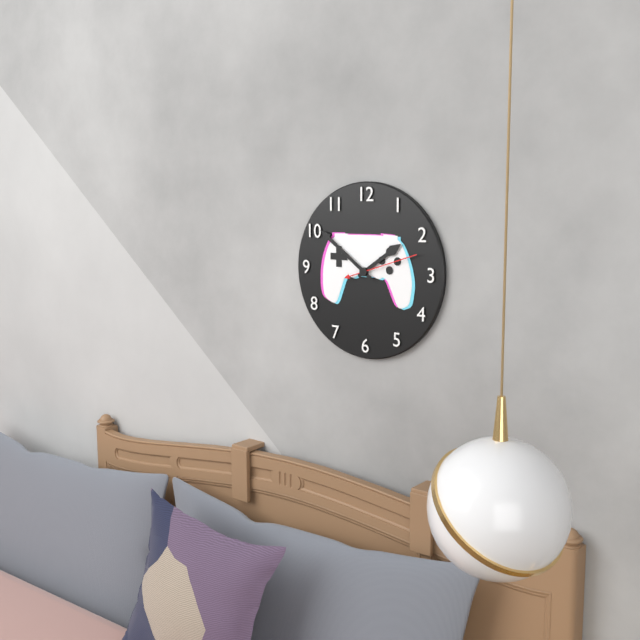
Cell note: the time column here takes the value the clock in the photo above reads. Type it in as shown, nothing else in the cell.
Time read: 1:51:12
